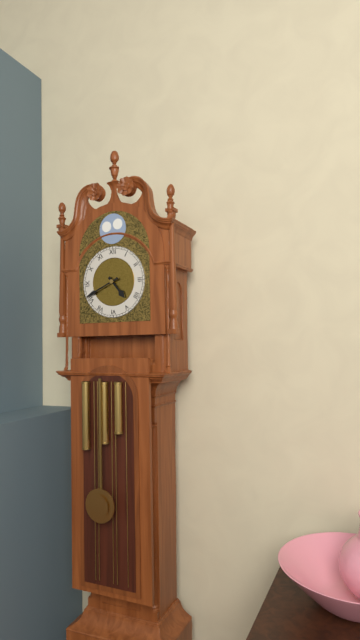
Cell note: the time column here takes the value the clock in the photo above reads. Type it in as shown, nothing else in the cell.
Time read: 4:41
